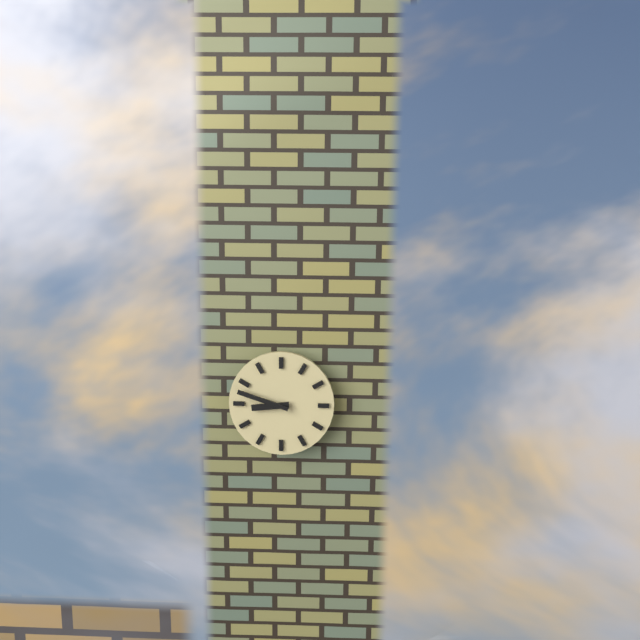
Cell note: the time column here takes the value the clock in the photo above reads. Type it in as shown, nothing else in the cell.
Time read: 8:48
